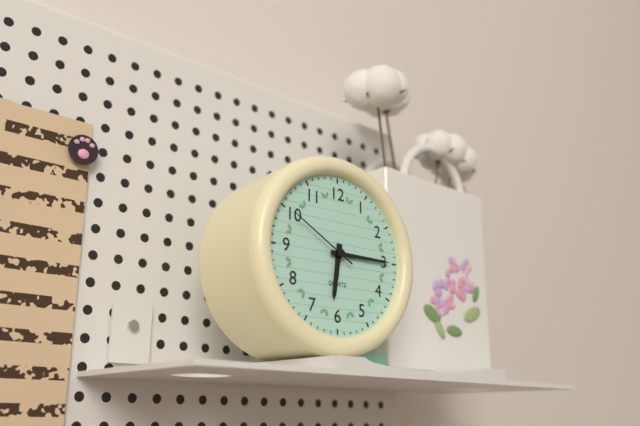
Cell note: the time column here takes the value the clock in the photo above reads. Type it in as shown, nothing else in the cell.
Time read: 6:15:50
